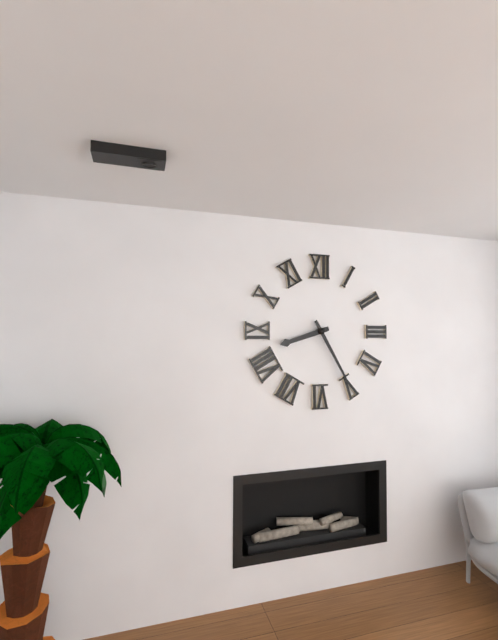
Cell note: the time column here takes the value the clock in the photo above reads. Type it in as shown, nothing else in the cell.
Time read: 8:25
